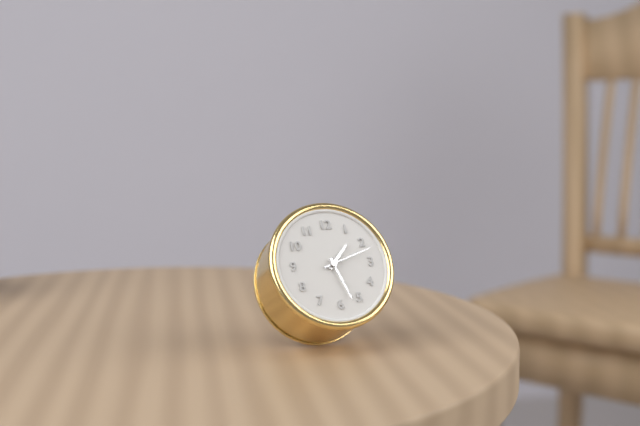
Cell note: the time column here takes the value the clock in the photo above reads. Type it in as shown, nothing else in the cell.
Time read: 1:27
